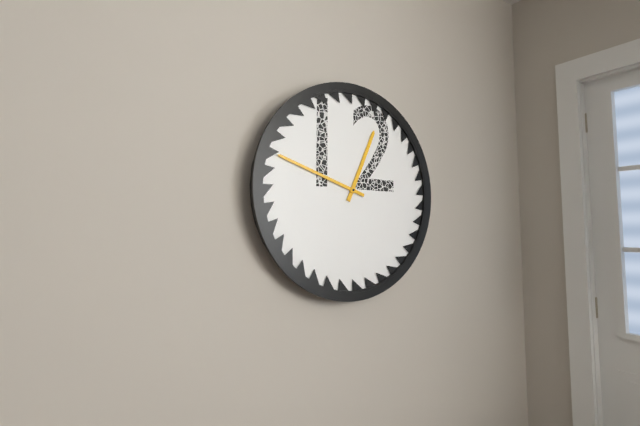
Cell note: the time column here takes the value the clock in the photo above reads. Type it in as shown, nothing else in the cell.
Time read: 12:48
